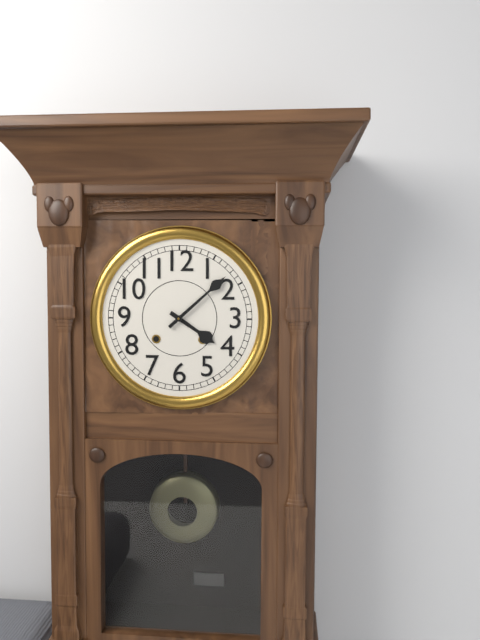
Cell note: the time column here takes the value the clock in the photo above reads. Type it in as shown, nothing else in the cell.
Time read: 4:08
